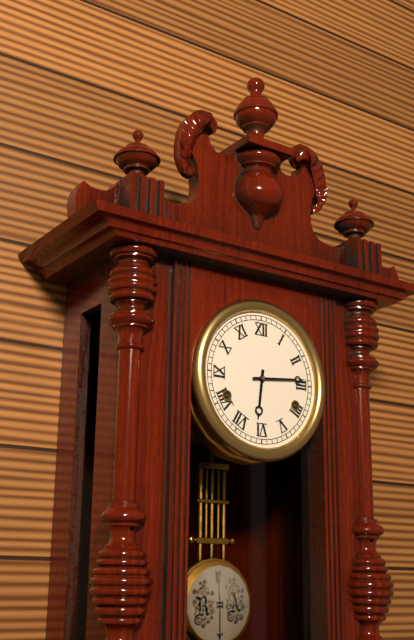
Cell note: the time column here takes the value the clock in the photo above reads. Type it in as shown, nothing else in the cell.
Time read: 6:14
